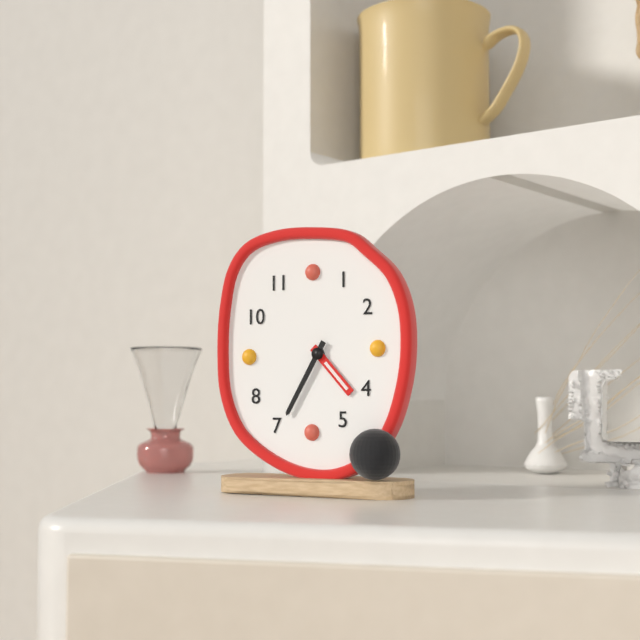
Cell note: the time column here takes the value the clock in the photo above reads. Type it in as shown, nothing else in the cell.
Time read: 4:35
